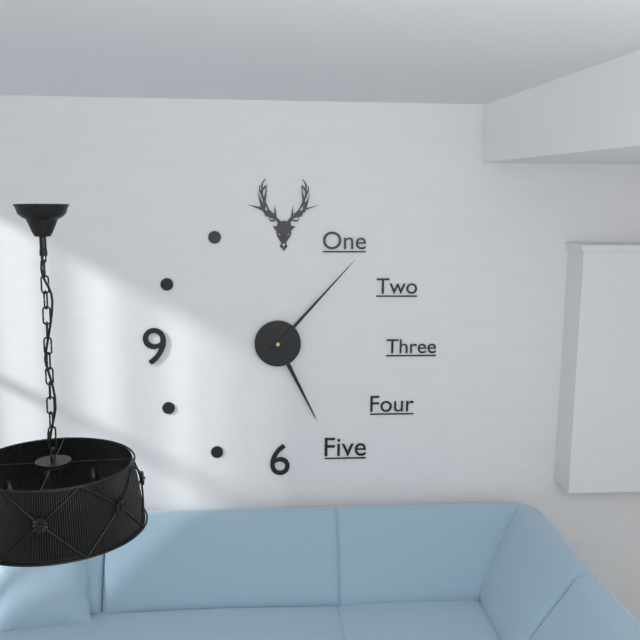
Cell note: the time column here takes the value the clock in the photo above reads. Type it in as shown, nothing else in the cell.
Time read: 5:07
